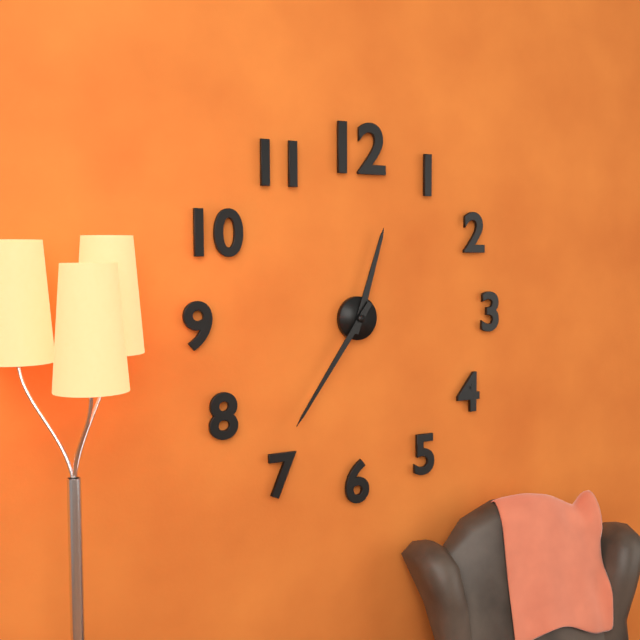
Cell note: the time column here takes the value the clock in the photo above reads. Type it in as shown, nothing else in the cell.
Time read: 12:36
